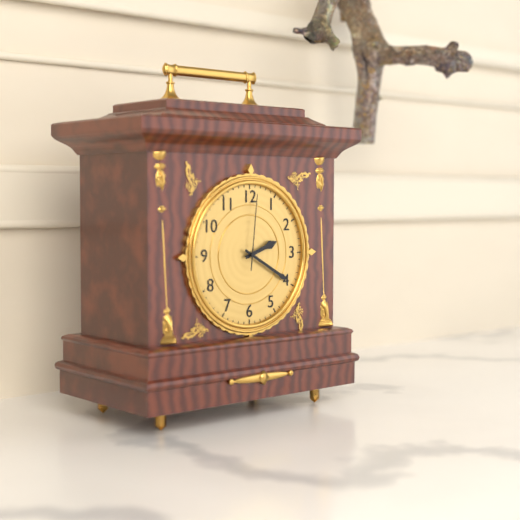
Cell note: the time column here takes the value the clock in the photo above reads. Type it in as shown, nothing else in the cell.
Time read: 2:20:01
